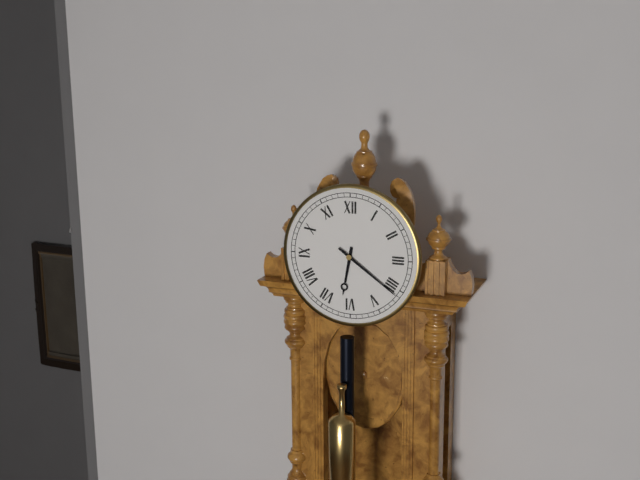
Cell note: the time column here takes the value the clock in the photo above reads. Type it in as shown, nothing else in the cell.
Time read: 6:21
